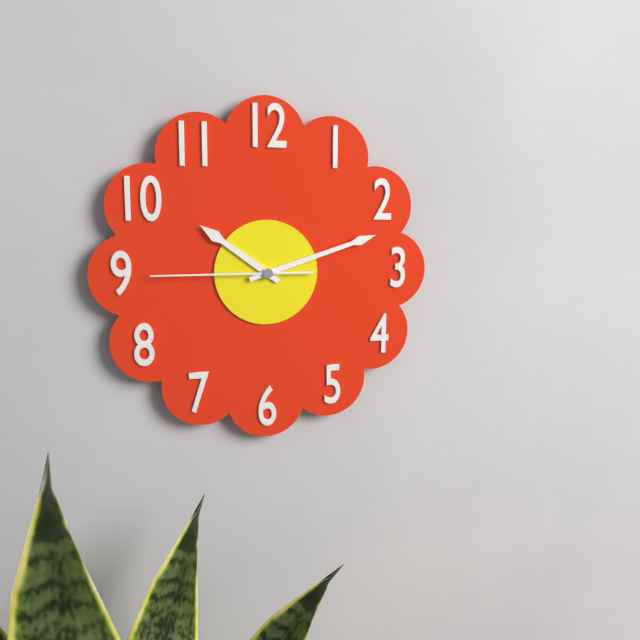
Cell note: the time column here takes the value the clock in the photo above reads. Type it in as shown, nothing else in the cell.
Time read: 10:12:45
